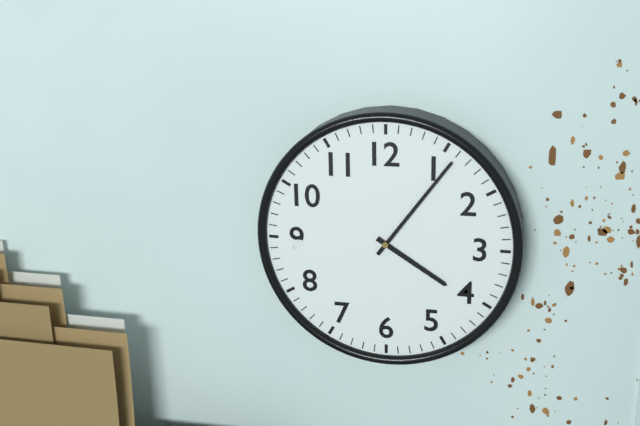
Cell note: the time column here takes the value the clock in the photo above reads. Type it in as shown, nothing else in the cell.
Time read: 4:06
